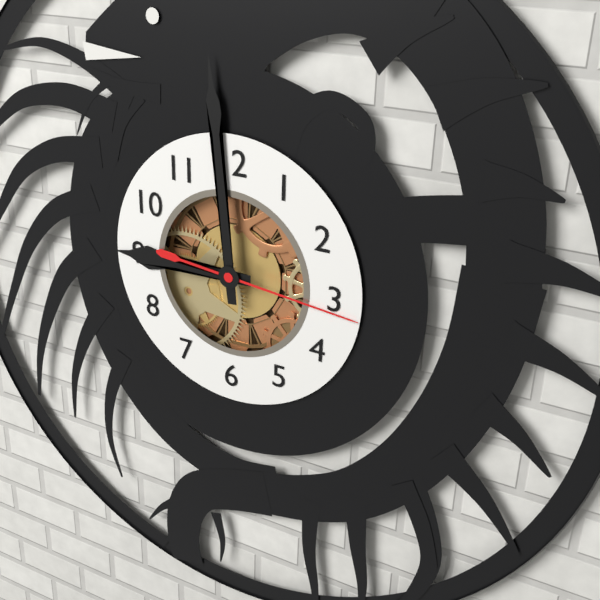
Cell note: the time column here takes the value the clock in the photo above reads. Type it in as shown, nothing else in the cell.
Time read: 8:59:16
